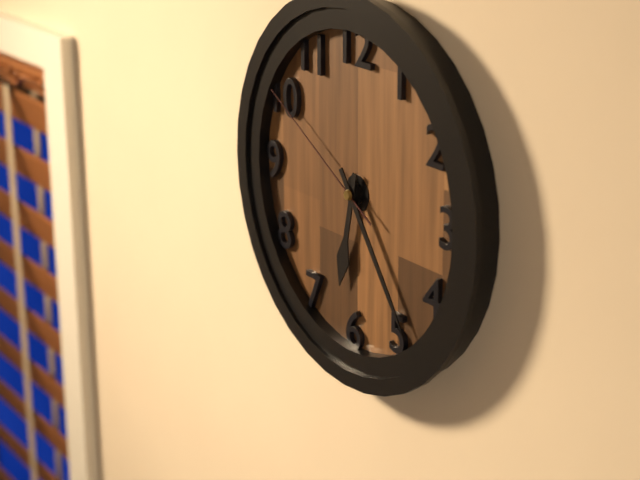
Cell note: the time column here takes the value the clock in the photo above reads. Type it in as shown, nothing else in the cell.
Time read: 6:24:50
